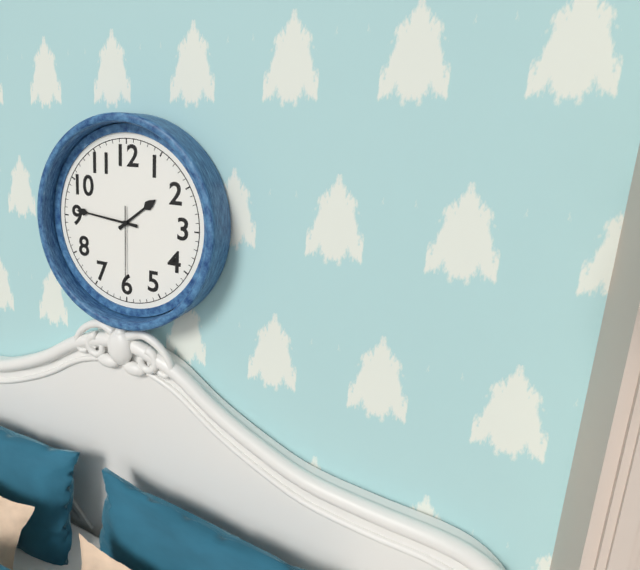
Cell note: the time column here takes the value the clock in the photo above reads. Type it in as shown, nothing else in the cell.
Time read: 1:46:30
